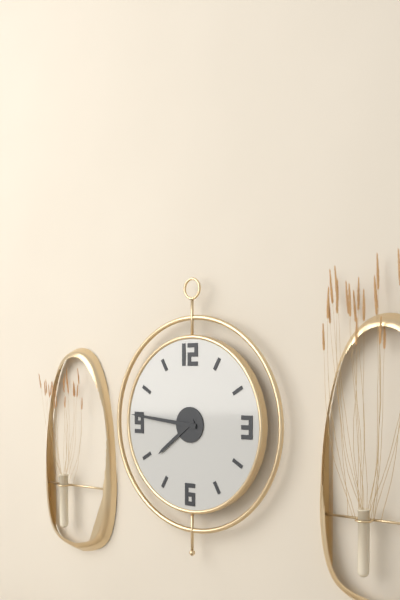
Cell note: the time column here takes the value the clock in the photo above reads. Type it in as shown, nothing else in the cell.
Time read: 7:46
